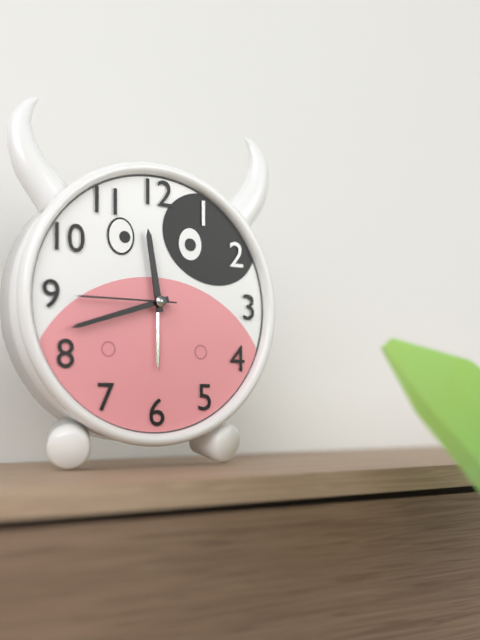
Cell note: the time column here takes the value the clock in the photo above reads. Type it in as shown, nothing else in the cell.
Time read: 11:42:45
